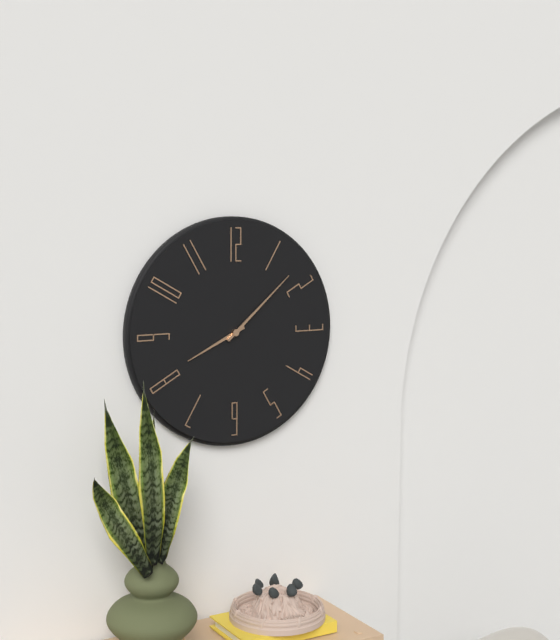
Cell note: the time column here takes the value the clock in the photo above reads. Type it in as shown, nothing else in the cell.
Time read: 8:08
